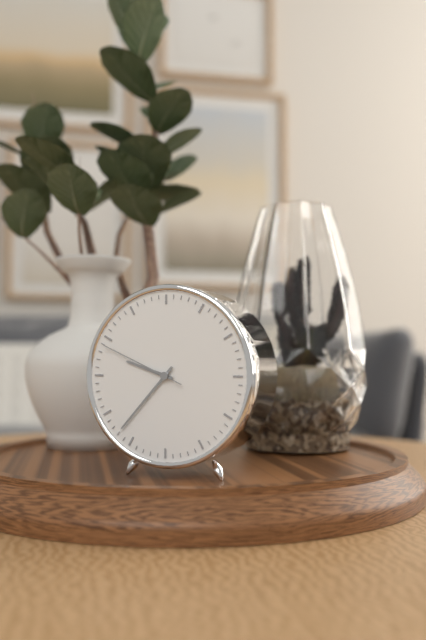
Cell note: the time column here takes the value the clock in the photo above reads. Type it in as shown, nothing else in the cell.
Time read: 9:37:49
